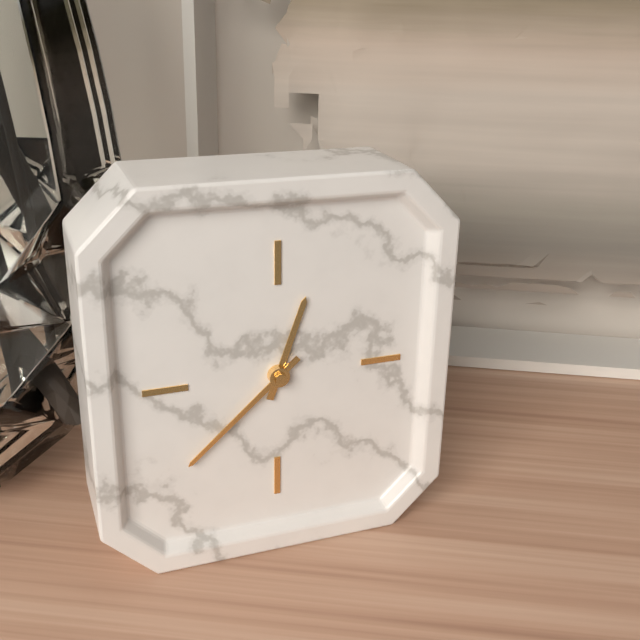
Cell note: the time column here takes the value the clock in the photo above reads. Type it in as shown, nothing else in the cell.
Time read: 12:38
